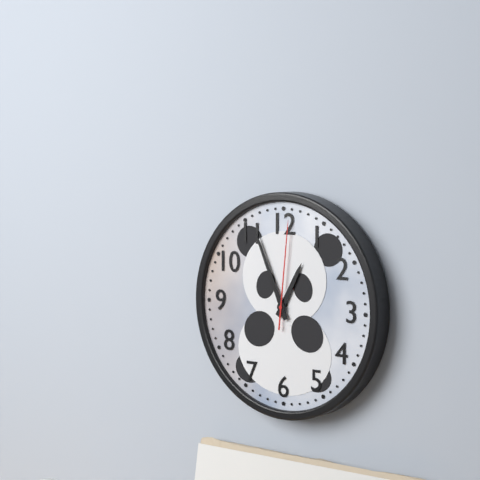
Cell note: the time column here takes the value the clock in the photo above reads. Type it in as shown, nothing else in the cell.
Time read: 12:56:01
